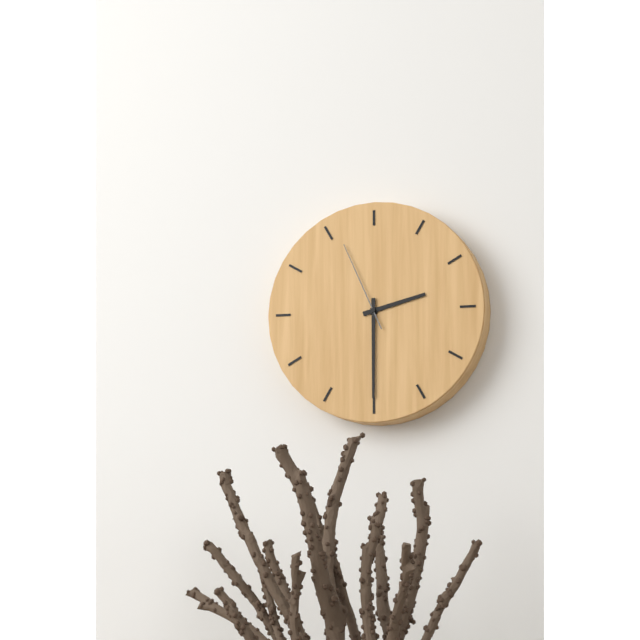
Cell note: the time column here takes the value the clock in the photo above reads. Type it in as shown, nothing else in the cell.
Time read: 2:30:56
